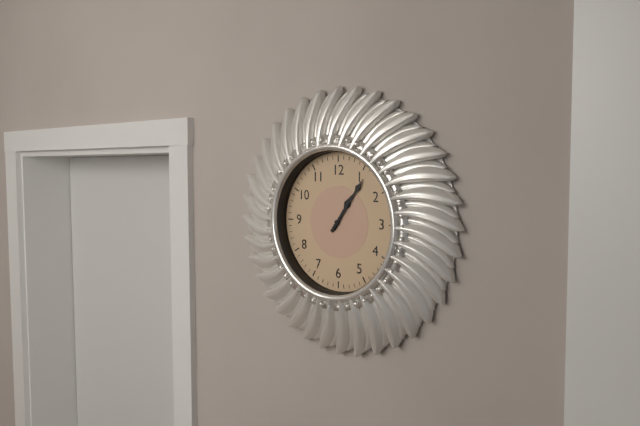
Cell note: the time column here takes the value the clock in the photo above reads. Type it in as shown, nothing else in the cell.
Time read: 1:06
